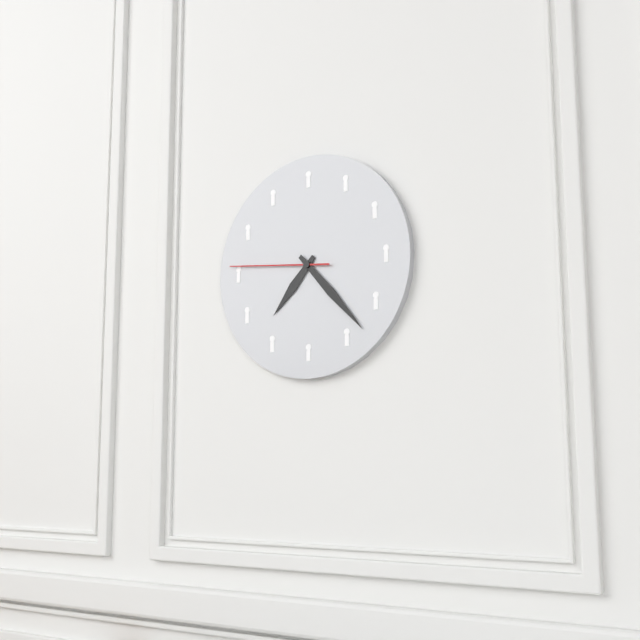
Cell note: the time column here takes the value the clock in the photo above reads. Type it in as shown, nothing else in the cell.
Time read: 7:23:46
